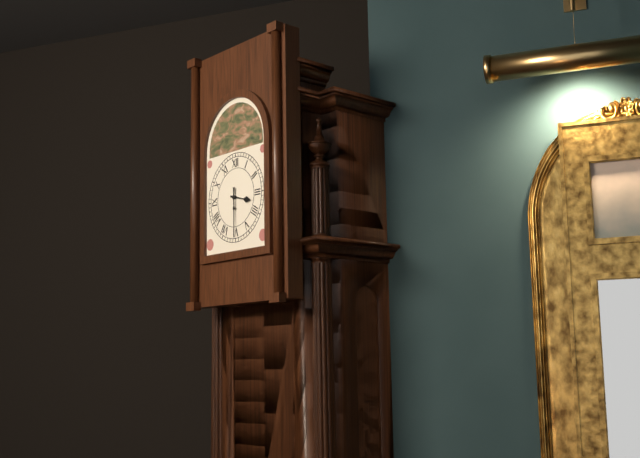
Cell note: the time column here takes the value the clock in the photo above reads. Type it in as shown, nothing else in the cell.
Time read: 3:30
